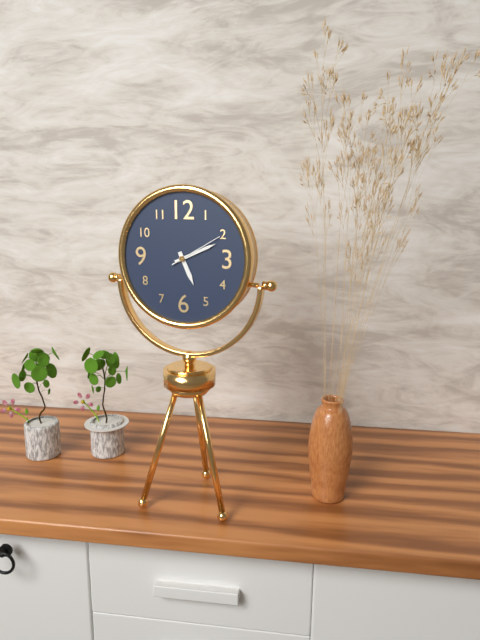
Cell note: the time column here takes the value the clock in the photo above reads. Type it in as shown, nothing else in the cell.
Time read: 5:11:10
